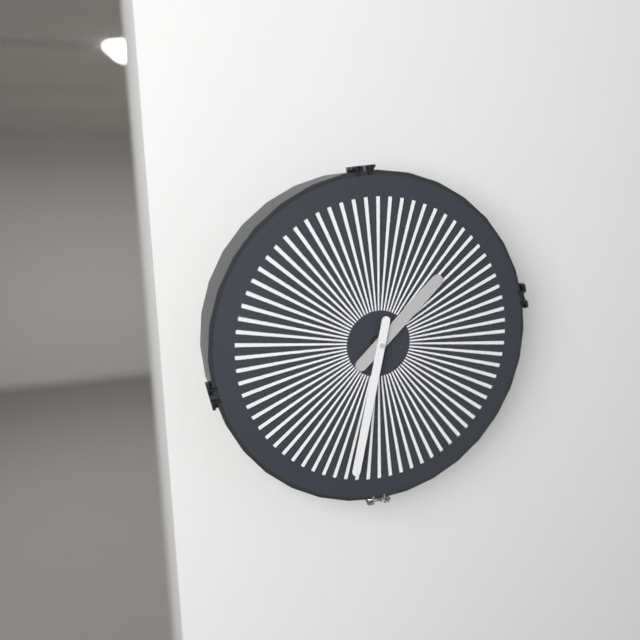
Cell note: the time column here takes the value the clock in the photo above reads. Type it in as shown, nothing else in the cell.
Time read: 1:32
